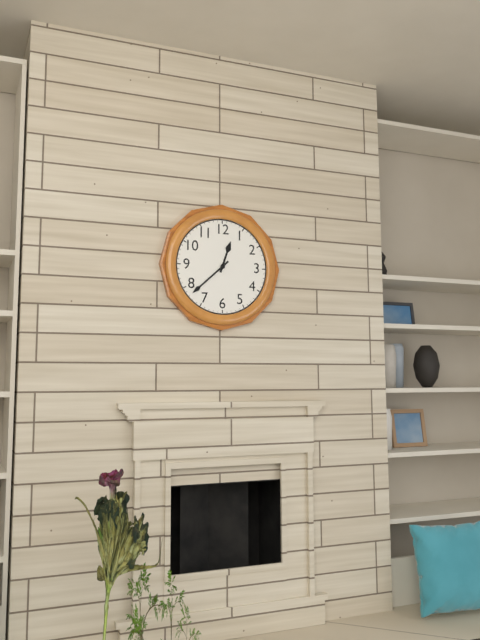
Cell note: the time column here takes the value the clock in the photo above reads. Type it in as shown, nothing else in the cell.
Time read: 12:38
